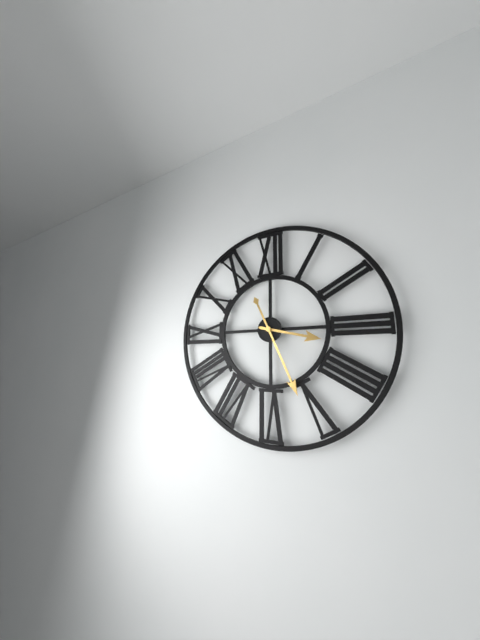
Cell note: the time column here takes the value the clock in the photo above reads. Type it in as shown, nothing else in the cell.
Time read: 3:26
